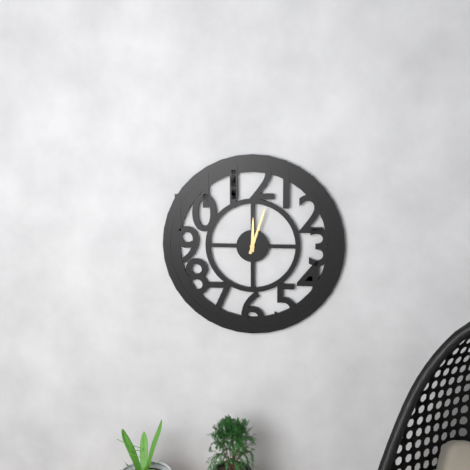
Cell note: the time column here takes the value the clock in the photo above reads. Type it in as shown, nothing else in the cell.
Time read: 12:03
